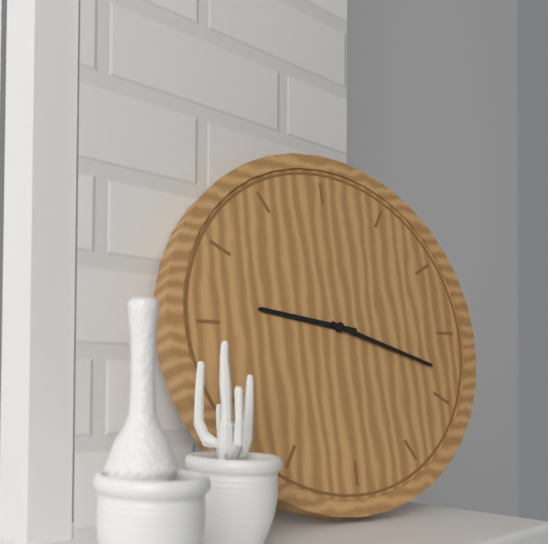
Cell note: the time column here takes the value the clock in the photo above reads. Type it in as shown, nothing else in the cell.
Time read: 9:18
